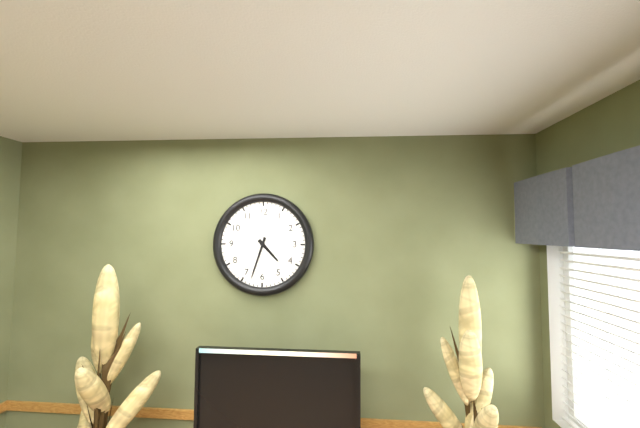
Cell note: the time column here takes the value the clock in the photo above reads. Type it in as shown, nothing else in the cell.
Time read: 4:33
